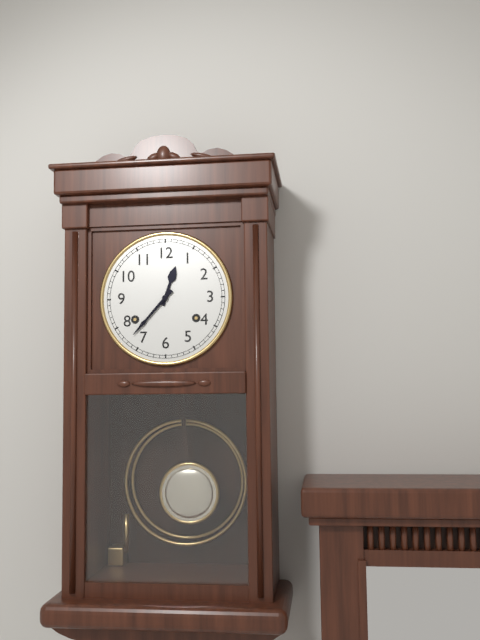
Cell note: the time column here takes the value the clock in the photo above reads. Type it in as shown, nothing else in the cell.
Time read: 12:37
